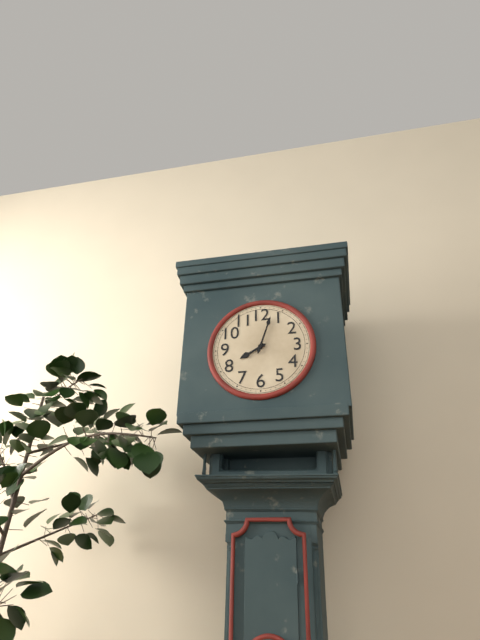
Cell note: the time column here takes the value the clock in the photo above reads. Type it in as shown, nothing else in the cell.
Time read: 8:03
